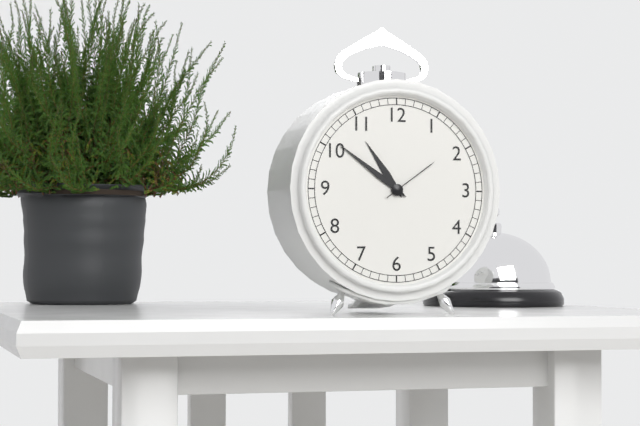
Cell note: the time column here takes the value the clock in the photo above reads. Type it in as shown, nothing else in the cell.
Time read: 10:51:09
